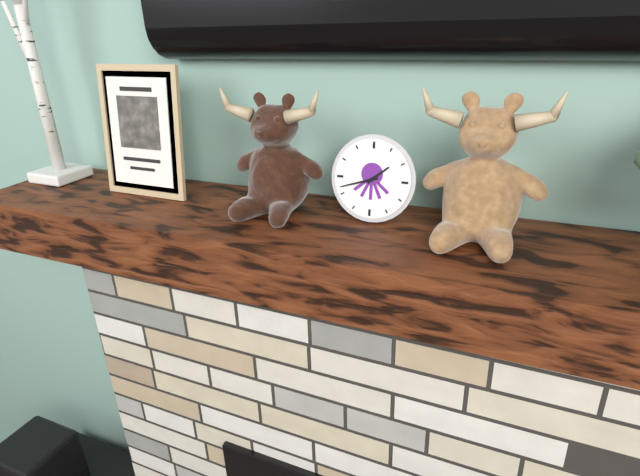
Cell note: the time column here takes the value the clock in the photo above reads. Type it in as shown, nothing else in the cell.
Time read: 1:42
